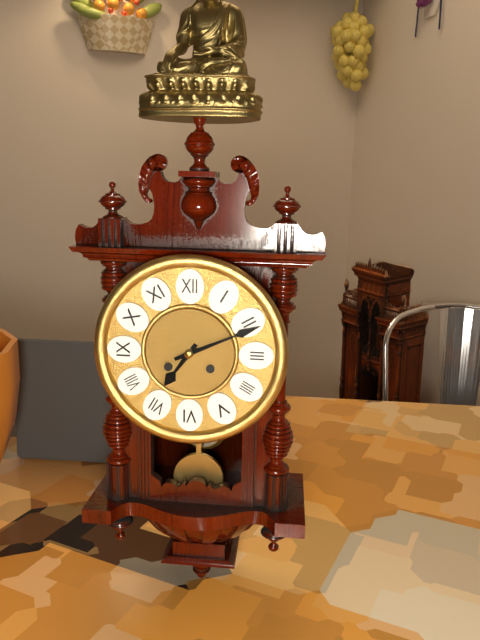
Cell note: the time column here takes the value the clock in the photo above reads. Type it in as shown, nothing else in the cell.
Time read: 7:11
